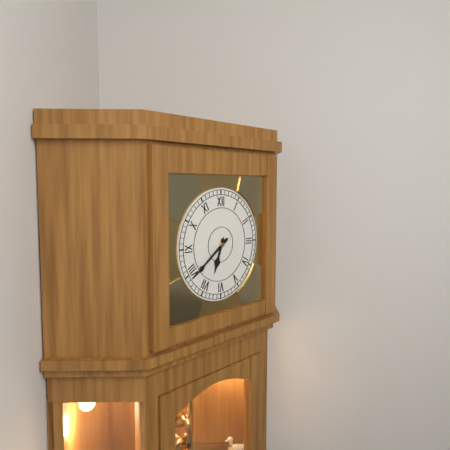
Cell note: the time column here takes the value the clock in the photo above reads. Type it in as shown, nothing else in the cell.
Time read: 6:39
